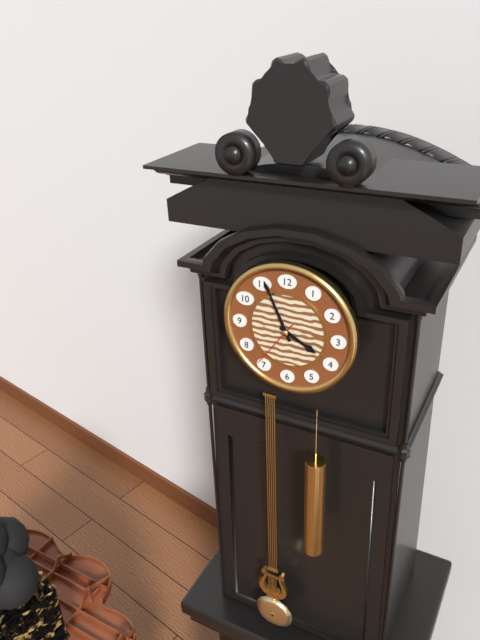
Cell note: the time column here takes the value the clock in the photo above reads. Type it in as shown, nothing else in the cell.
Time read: 3:56:36
